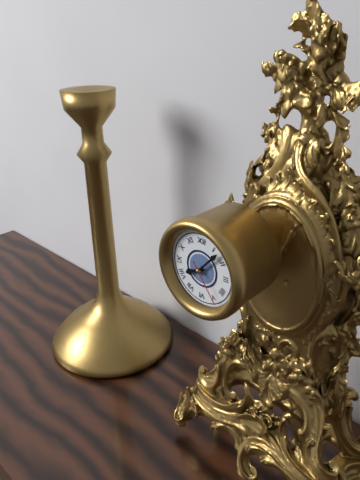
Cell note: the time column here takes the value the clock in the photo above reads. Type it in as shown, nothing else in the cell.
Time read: 8:07
